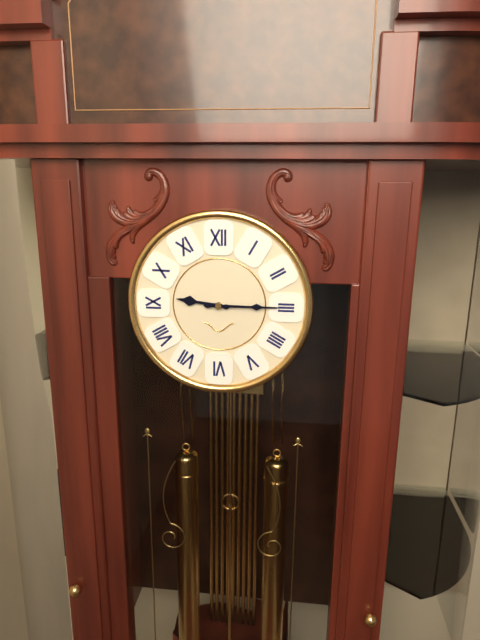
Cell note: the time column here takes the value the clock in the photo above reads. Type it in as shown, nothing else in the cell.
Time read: 9:15
